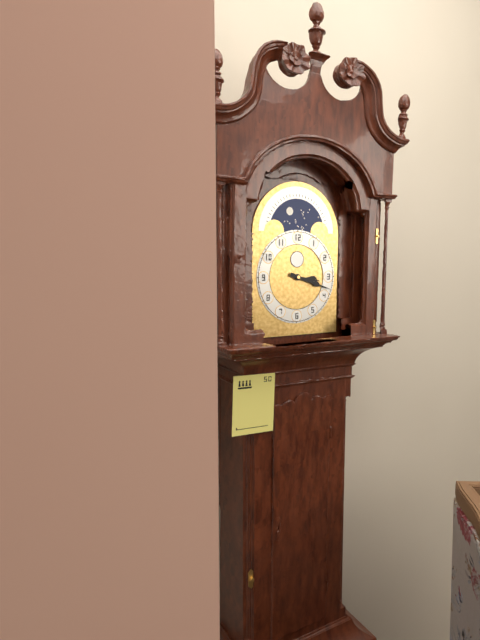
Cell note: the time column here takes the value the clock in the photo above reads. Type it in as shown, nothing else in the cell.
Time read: 3:18
